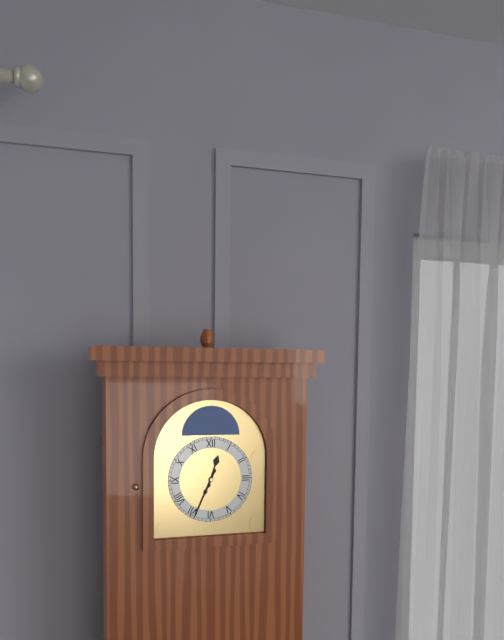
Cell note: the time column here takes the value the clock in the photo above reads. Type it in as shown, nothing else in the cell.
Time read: 12:34
